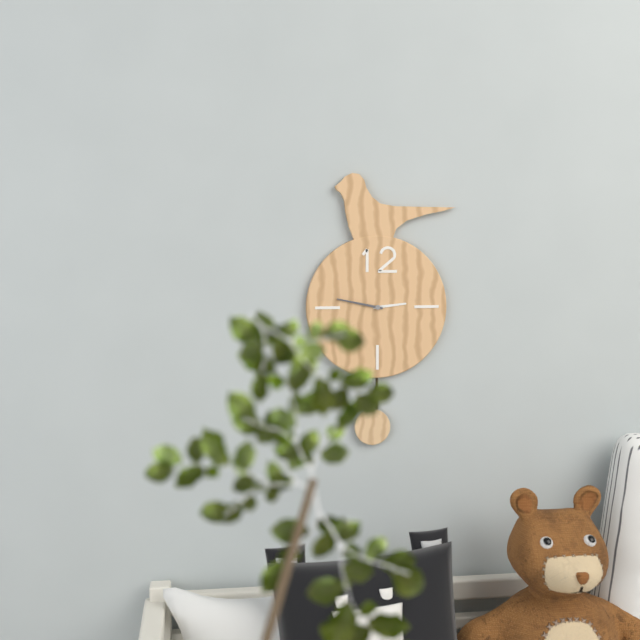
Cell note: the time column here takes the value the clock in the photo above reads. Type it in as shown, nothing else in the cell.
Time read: 2:47
